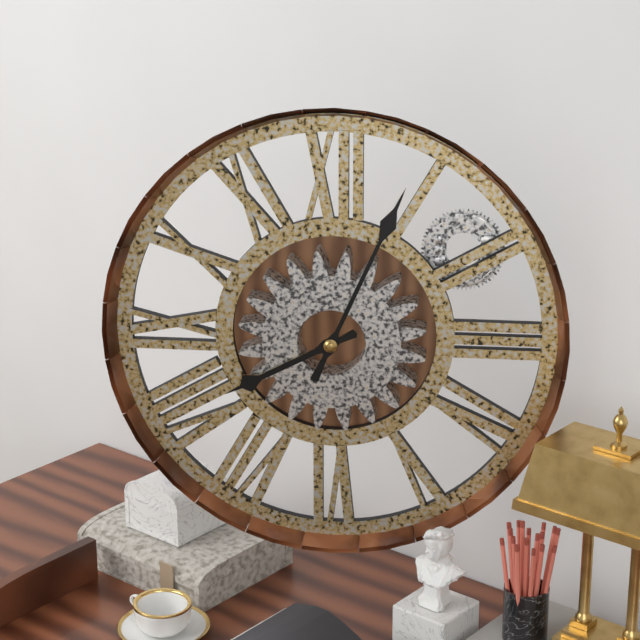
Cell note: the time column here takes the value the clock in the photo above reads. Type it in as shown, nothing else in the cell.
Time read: 8:04
